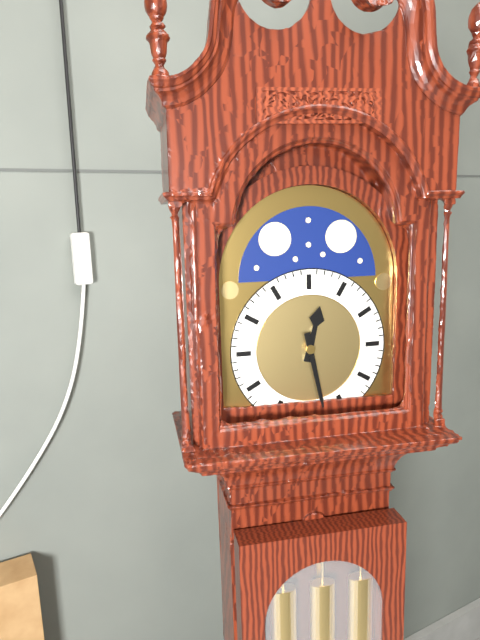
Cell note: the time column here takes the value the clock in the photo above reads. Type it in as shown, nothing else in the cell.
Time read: 12:28
